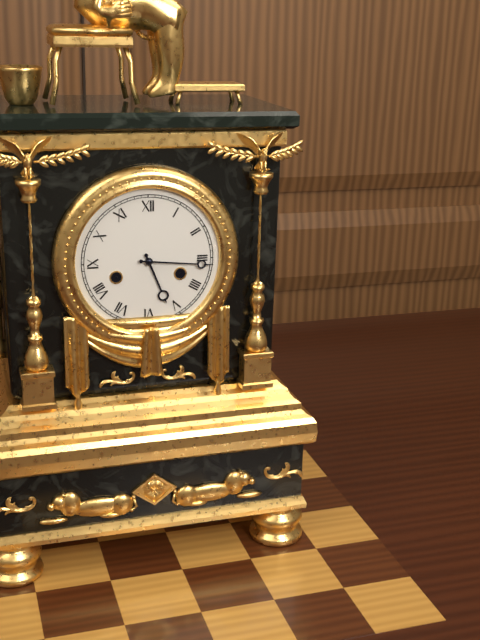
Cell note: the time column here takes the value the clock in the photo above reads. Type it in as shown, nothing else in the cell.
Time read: 5:16
